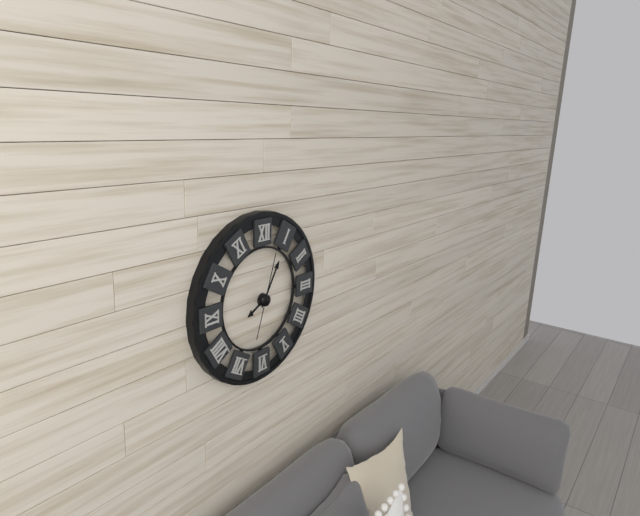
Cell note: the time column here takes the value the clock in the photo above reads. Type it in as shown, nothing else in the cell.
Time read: 8:05:03
